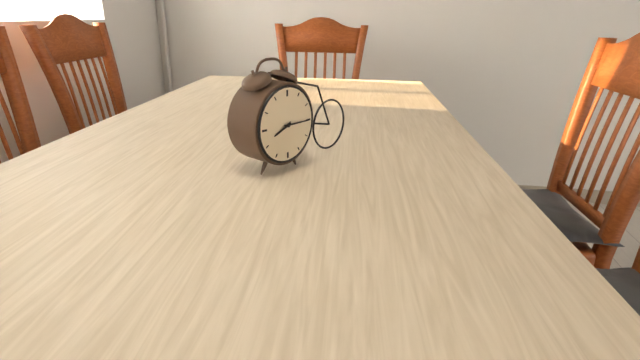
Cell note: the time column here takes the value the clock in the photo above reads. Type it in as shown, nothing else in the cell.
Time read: 8:15
